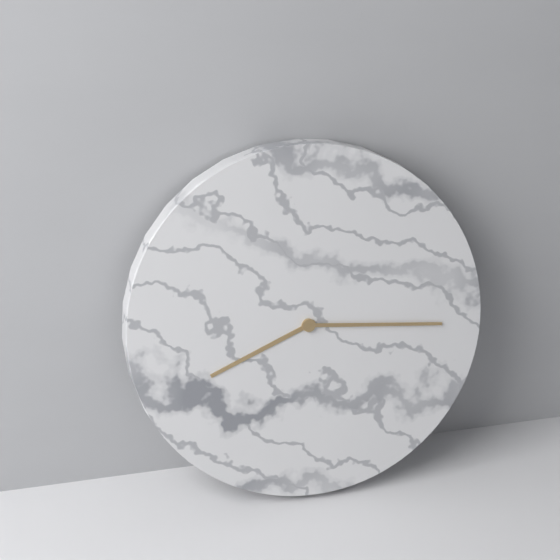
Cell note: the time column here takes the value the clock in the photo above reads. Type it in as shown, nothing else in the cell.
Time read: 8:16
